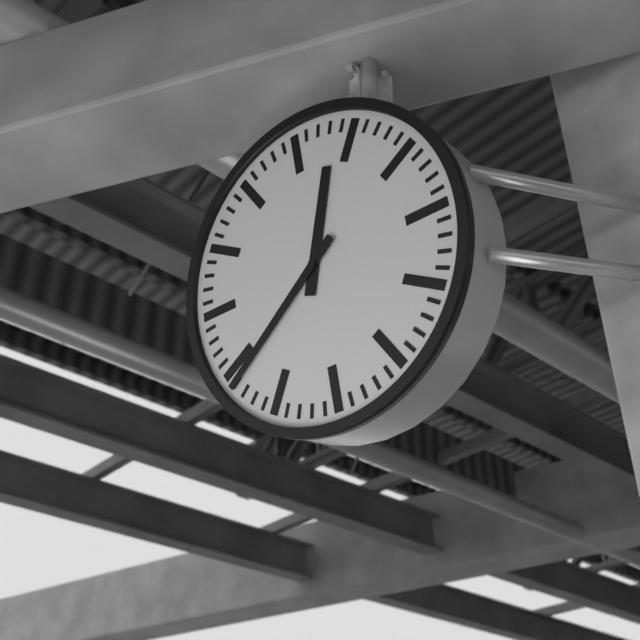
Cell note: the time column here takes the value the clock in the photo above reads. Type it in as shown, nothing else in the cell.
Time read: 12:39
